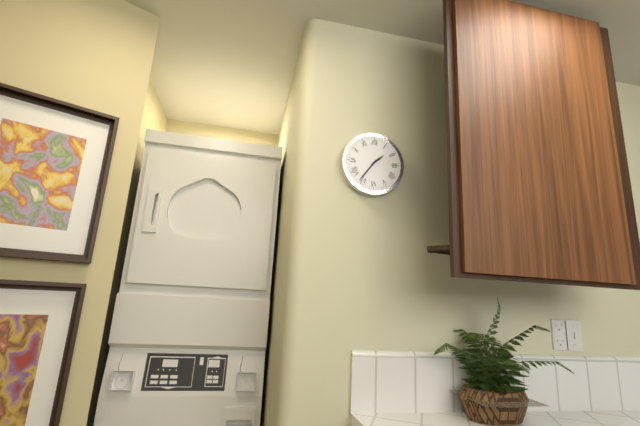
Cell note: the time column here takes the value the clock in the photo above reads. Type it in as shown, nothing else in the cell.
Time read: 1:36
